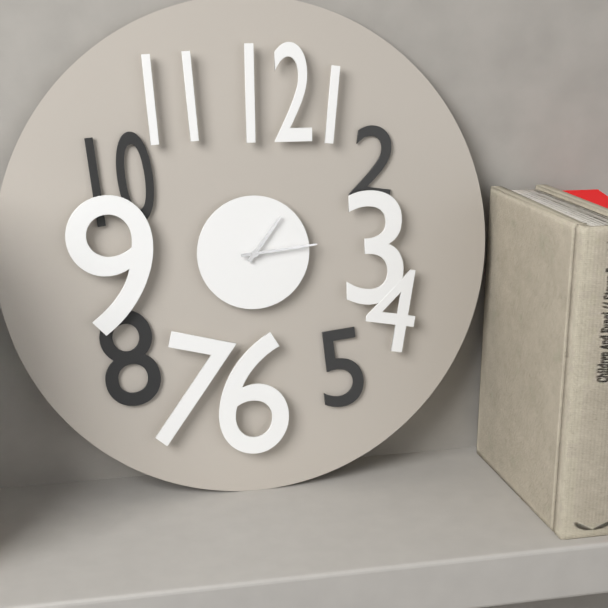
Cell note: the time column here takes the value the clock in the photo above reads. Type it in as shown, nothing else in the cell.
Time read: 1:14
